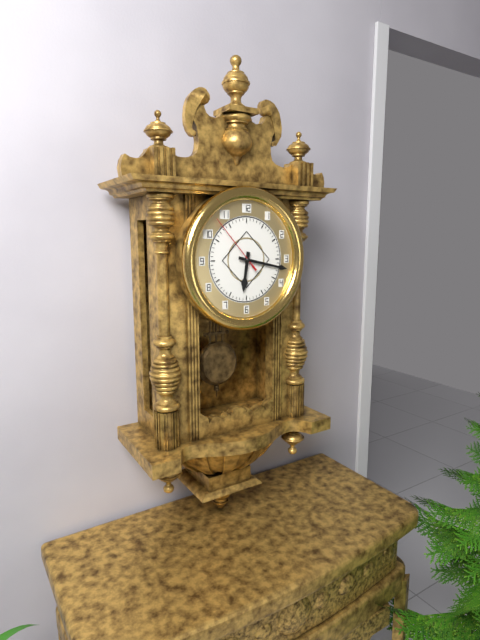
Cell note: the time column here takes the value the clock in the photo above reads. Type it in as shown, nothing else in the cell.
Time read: 6:17:53
